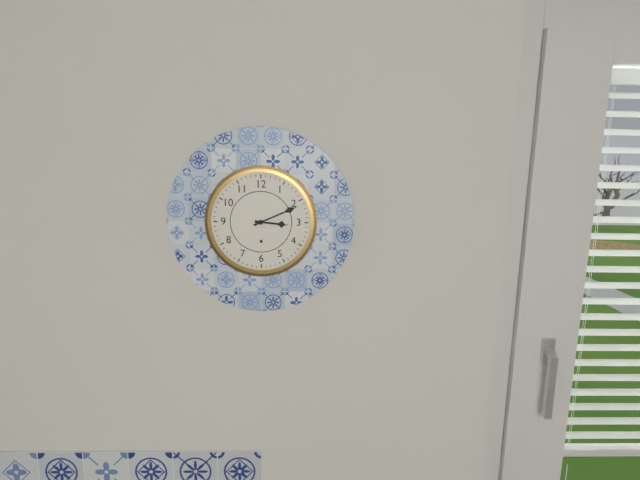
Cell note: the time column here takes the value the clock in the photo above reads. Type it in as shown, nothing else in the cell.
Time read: 3:11
